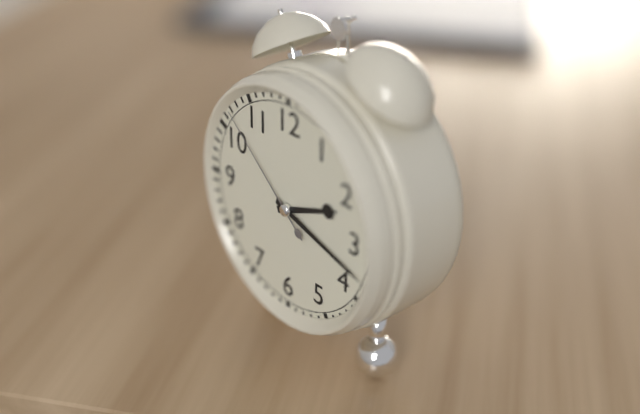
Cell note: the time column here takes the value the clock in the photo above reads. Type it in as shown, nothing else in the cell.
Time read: 2:18:52
